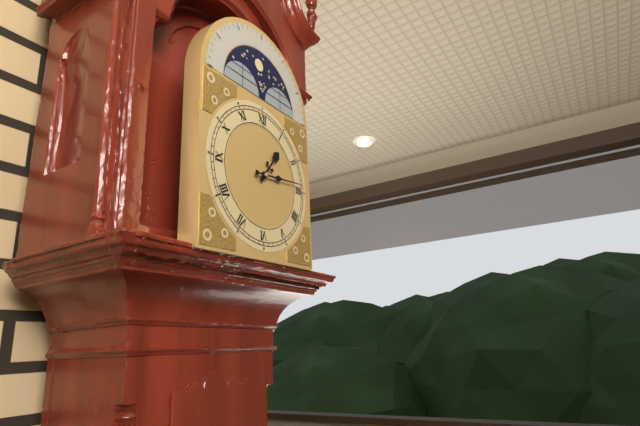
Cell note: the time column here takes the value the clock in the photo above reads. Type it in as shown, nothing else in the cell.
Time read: 1:14
